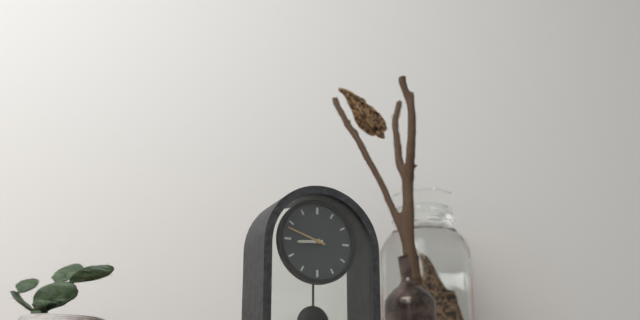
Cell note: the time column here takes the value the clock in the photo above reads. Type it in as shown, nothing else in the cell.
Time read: 8:48
